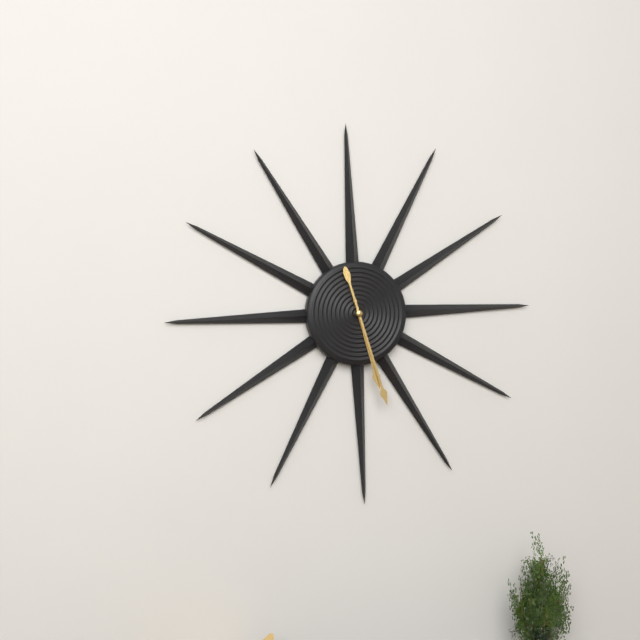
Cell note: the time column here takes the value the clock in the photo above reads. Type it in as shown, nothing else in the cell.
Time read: 5:27
